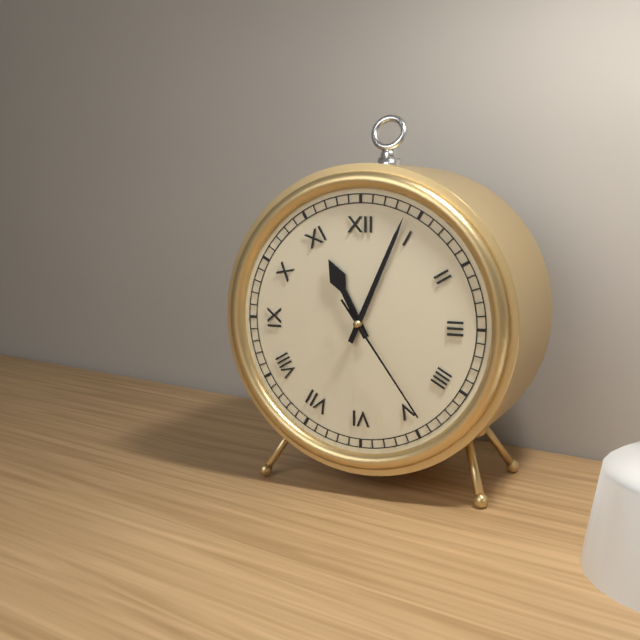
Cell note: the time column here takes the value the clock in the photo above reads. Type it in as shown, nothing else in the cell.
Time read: 11:04:24
